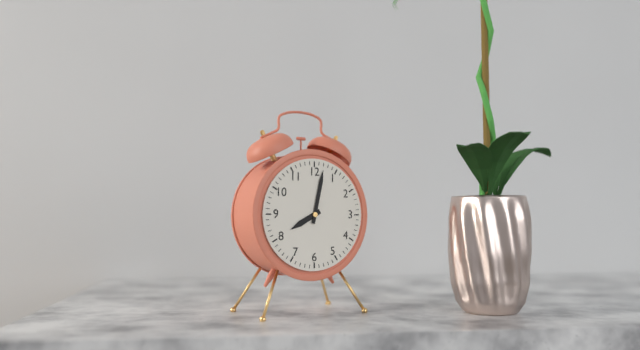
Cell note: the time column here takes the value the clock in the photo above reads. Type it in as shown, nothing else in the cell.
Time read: 8:02
